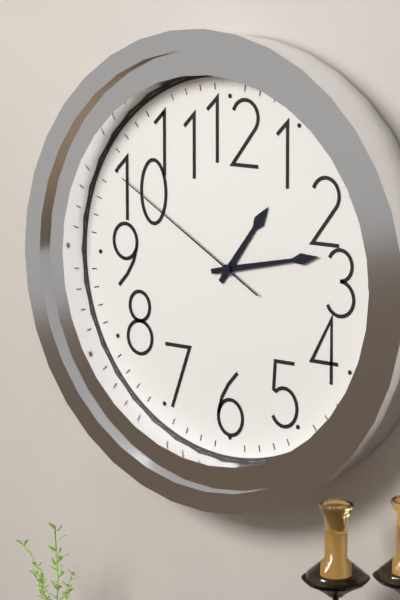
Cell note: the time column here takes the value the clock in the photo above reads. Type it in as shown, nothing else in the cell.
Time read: 1:13:50
